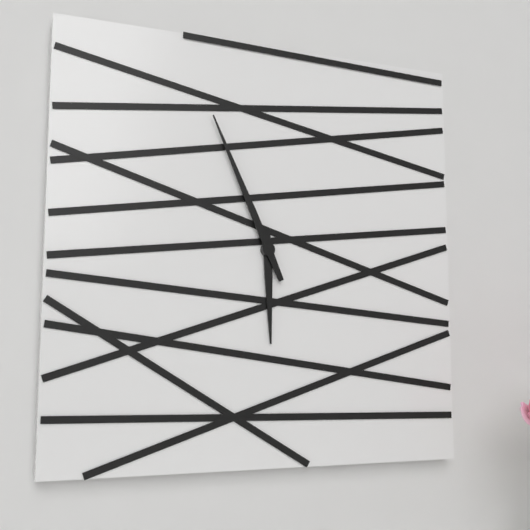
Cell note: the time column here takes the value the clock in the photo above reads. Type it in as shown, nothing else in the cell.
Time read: 5:56
